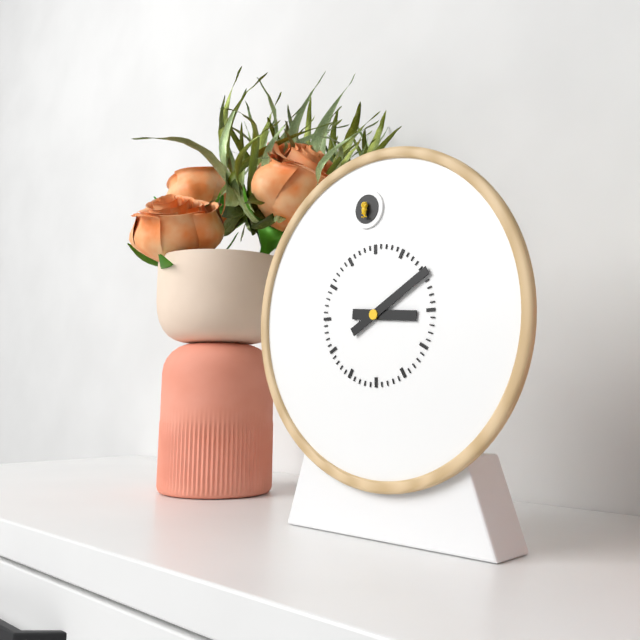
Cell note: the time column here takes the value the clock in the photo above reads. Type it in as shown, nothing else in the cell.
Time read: 3:10
